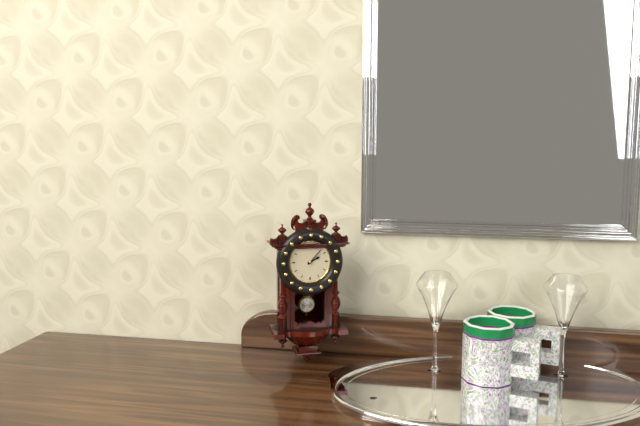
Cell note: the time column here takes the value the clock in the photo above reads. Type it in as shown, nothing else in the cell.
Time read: 2:07
